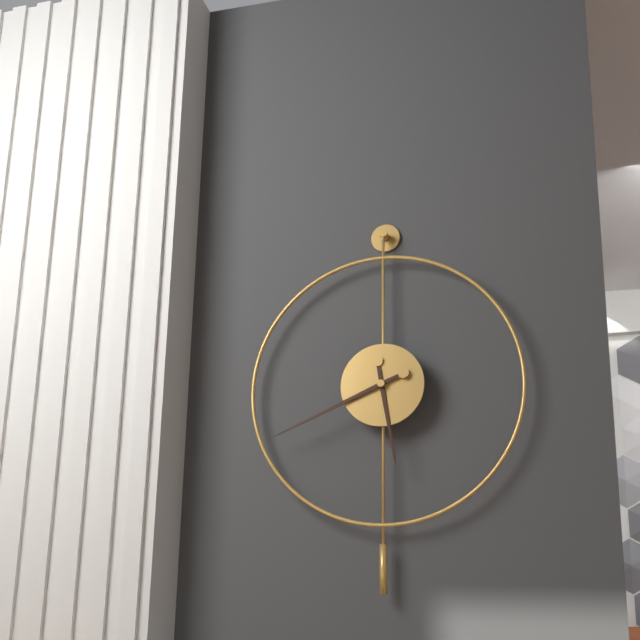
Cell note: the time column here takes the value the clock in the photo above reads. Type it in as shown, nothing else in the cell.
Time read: 5:41
